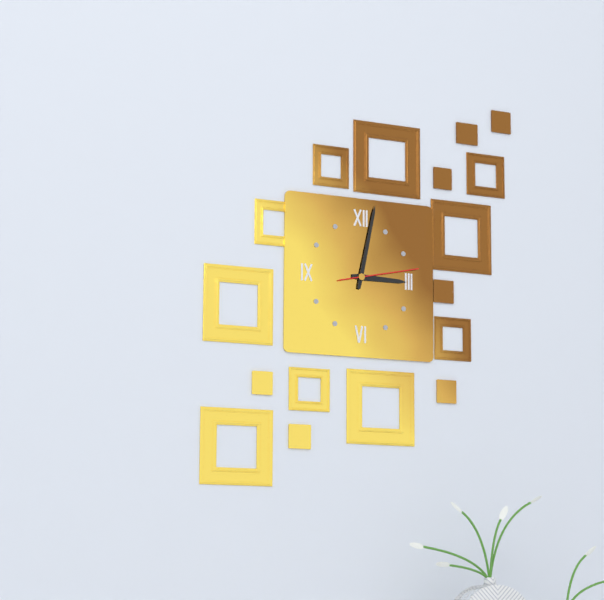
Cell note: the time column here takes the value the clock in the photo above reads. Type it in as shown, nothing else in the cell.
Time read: 3:02:13
